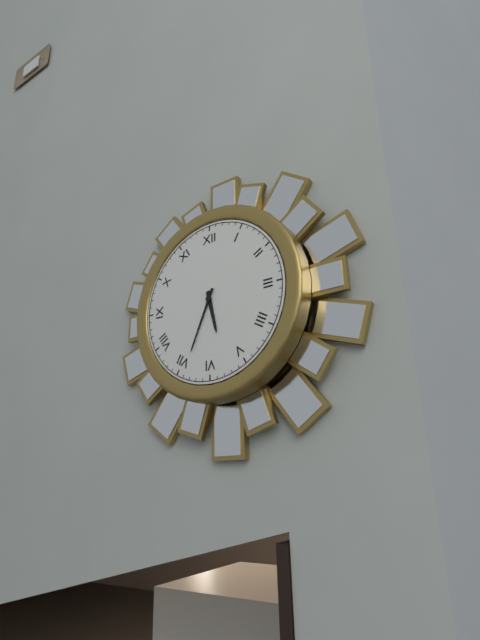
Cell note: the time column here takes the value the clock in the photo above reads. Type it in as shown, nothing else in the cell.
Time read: 5:34
